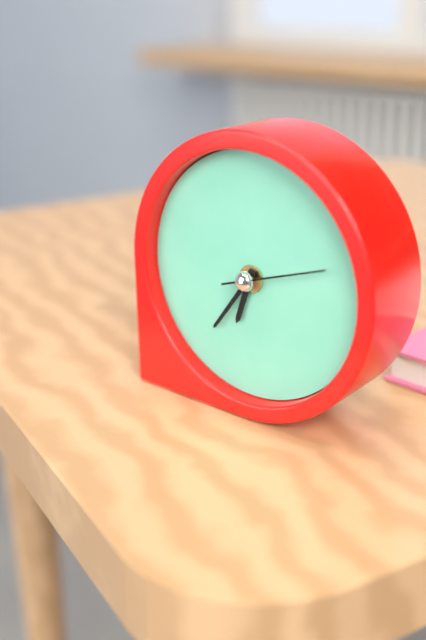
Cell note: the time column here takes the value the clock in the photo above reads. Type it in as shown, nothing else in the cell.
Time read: 6:36:12
